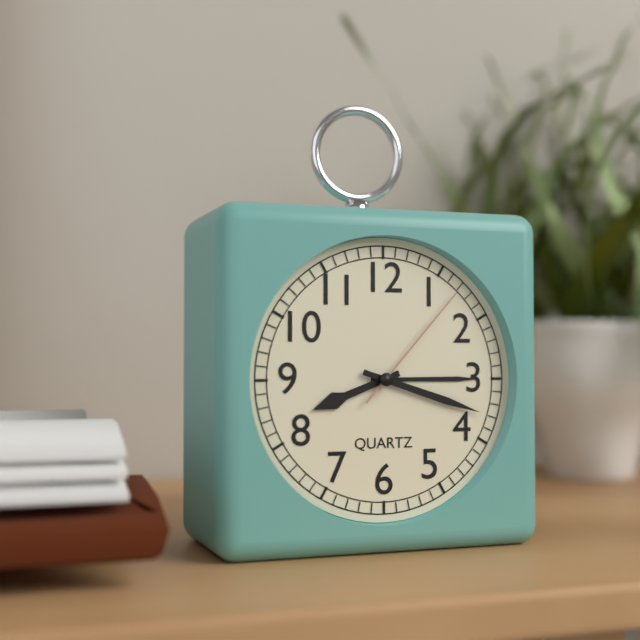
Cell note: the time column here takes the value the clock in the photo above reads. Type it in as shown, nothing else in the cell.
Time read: 8:18:07
